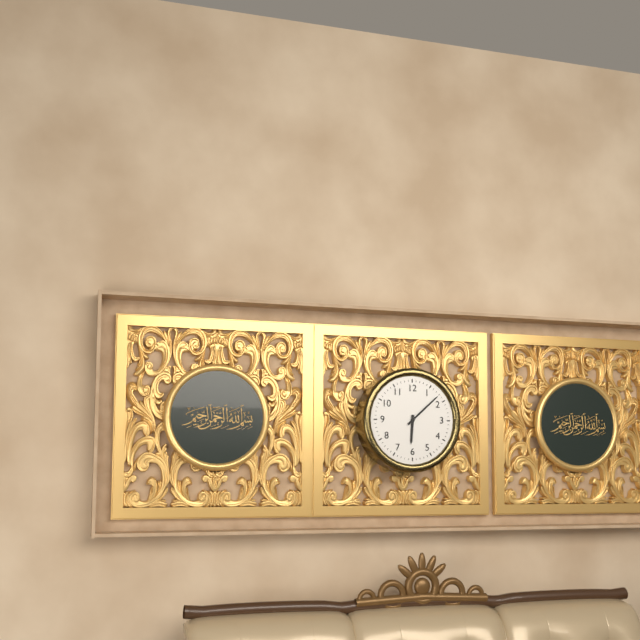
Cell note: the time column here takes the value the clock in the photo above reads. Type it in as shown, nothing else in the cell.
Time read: 6:08
